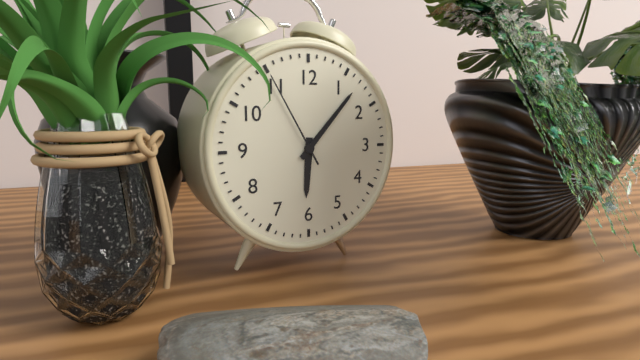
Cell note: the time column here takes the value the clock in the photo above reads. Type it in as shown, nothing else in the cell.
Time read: 6:07:55
